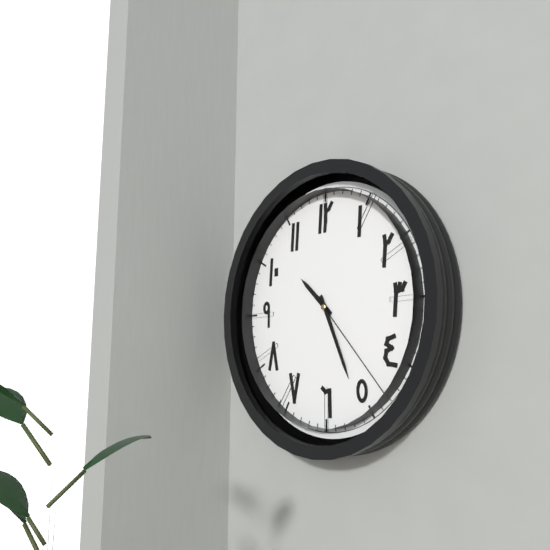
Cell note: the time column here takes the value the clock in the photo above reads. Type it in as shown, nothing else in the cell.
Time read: 10:26:23
